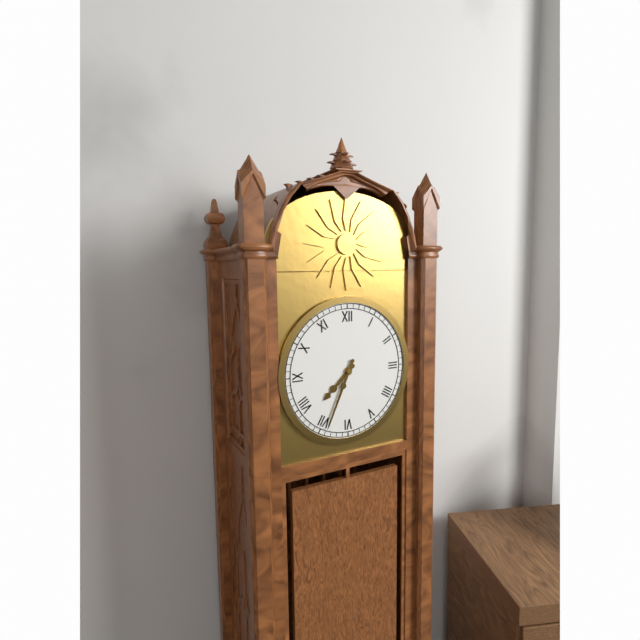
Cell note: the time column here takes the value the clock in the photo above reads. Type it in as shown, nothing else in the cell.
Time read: 7:34
